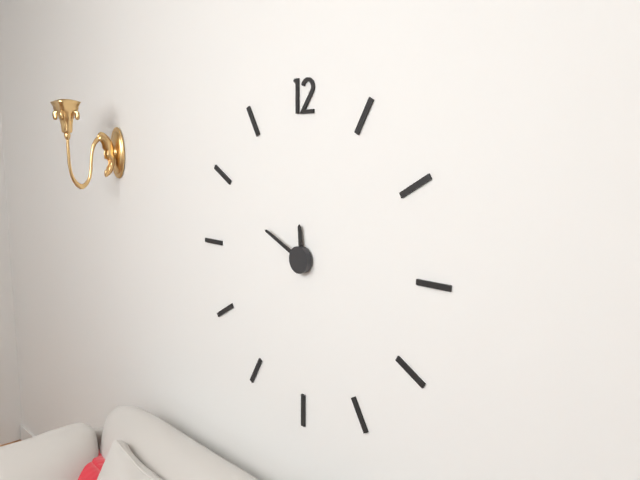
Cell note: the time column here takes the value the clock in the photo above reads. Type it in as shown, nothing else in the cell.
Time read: 11:49
